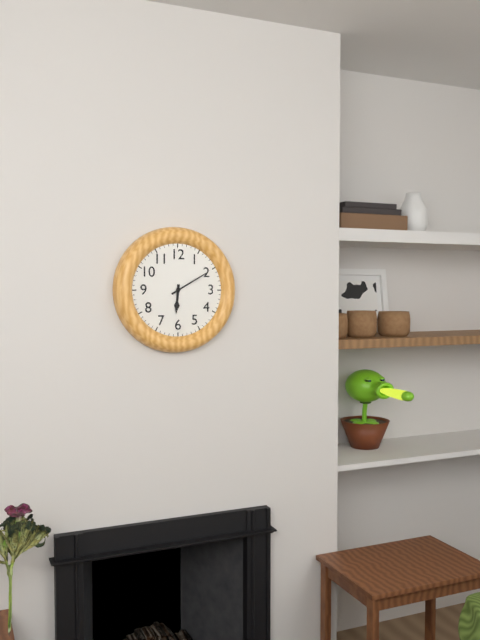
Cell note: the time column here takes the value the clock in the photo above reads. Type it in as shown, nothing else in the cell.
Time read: 6:10
